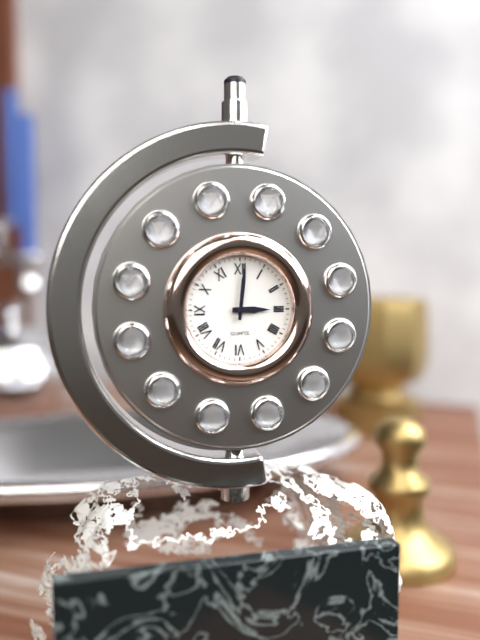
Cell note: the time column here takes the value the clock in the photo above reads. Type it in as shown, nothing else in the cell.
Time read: 3:01
